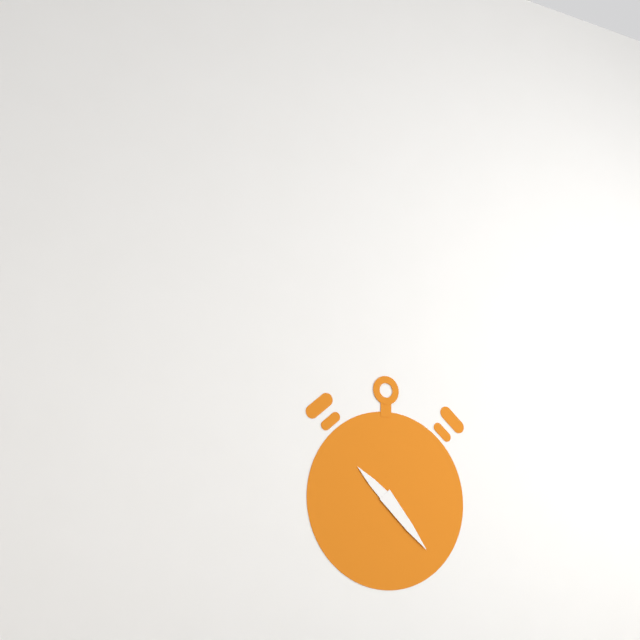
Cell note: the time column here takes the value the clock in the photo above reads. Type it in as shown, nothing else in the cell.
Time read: 10:23
